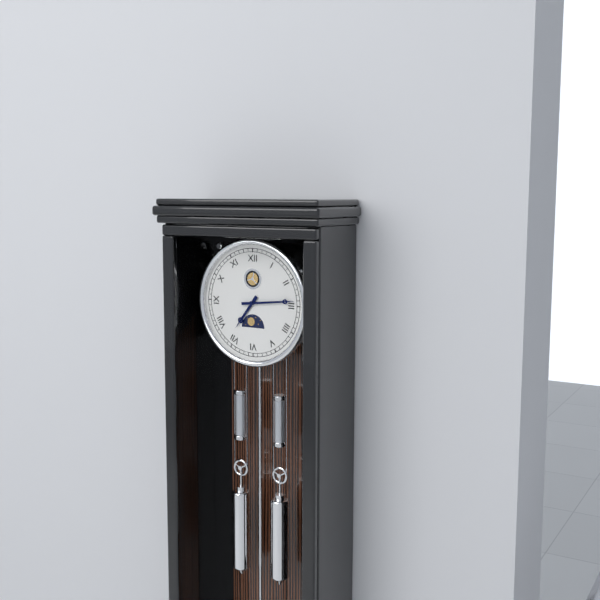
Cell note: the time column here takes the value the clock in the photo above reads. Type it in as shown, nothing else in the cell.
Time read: 7:14
